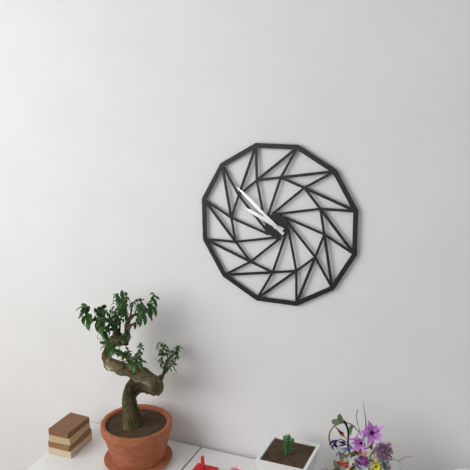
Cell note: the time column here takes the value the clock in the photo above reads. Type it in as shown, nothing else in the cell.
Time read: 9:52
